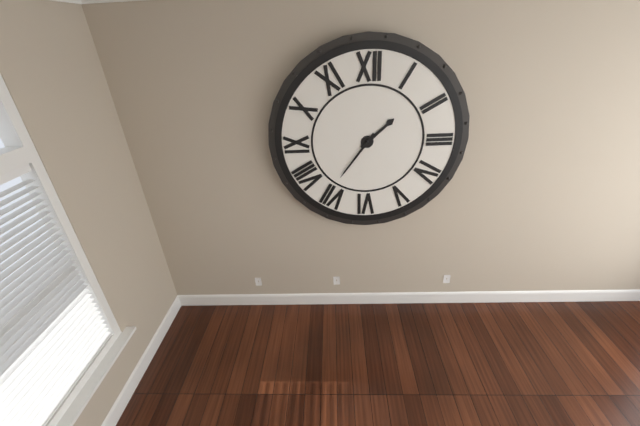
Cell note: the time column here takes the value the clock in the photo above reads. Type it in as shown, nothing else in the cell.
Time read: 1:36
